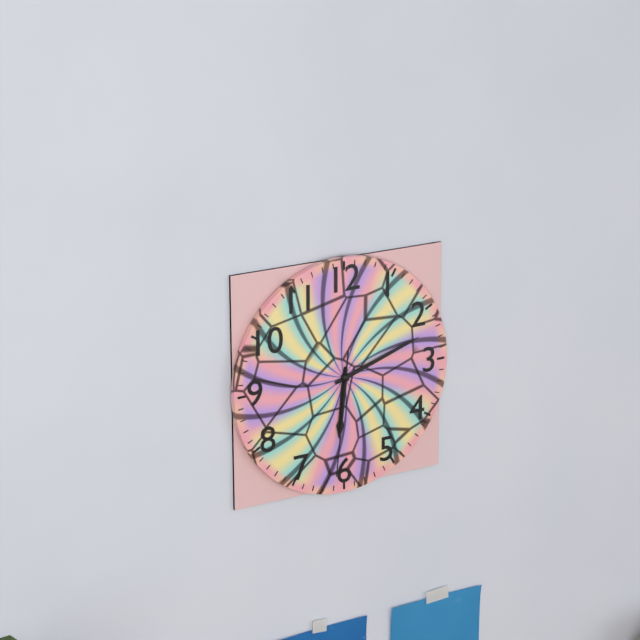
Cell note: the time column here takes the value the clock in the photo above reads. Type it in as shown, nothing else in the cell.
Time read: 6:12:31
